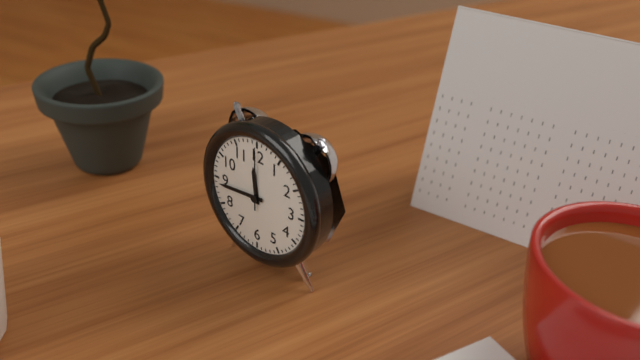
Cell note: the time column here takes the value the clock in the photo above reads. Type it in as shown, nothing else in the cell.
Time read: 11:44:00
